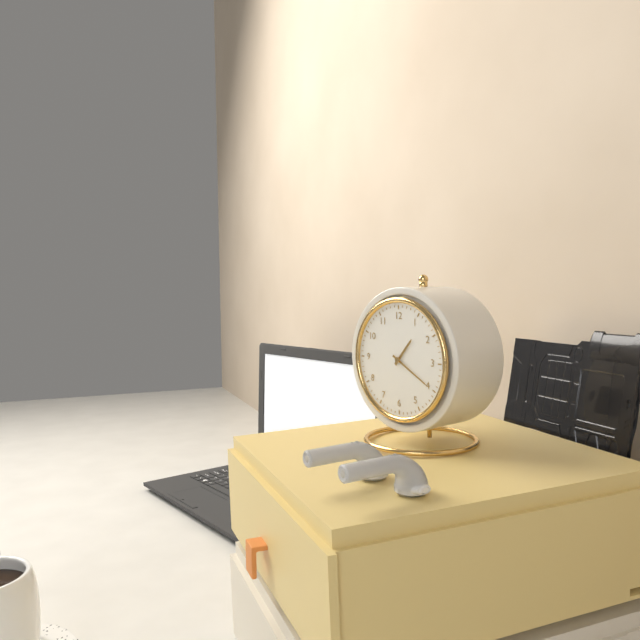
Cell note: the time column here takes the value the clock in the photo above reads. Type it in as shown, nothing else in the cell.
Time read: 1:20
